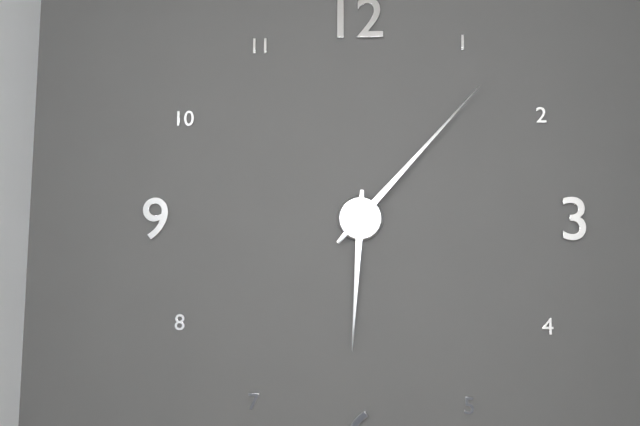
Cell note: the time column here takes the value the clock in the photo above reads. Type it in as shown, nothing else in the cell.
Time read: 6:07
